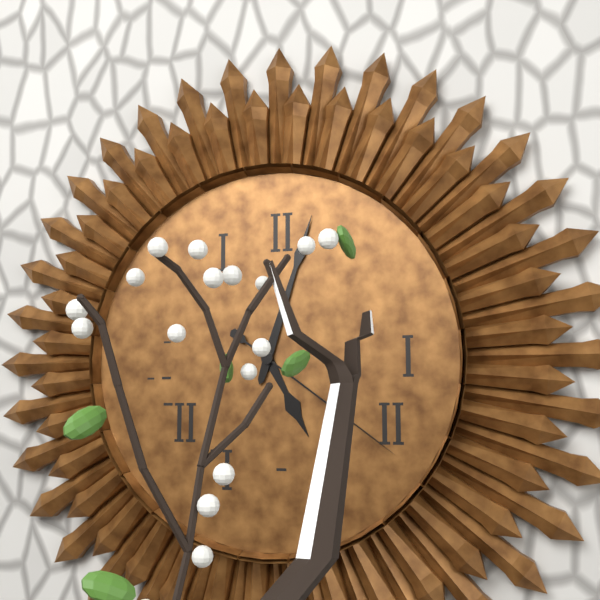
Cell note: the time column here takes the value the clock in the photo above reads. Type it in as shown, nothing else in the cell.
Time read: 5:03:21
